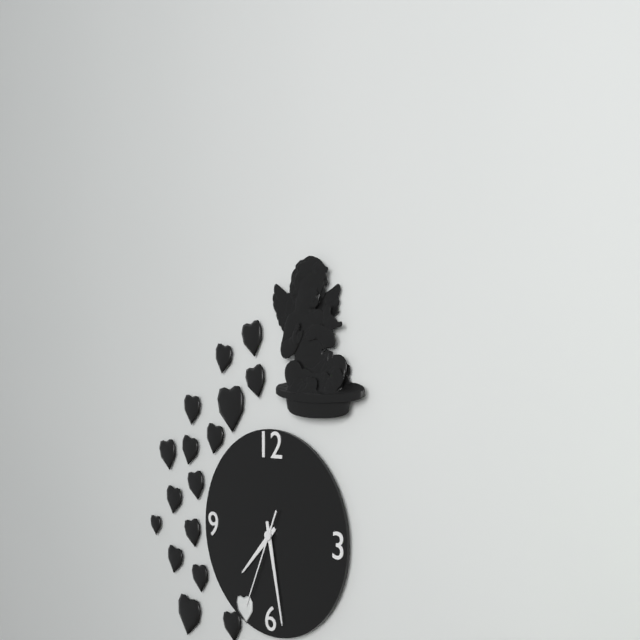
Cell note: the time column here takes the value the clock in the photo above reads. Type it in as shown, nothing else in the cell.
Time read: 7:28:34
